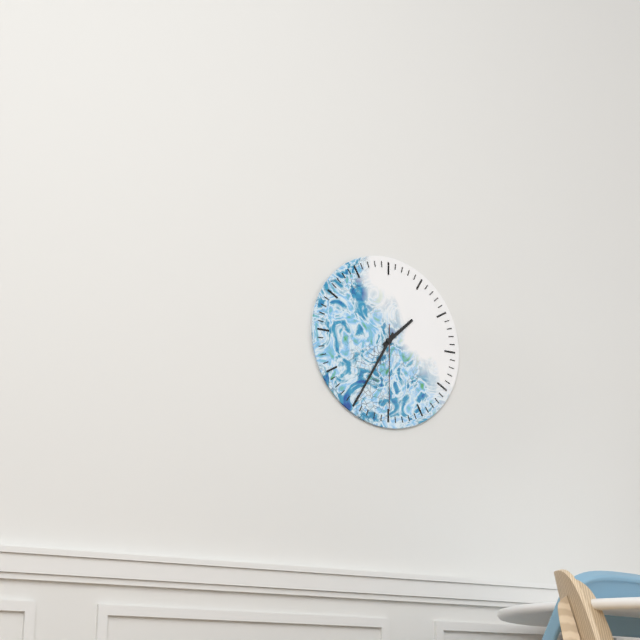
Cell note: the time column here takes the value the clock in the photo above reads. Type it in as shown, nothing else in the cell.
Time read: 1:35:30
